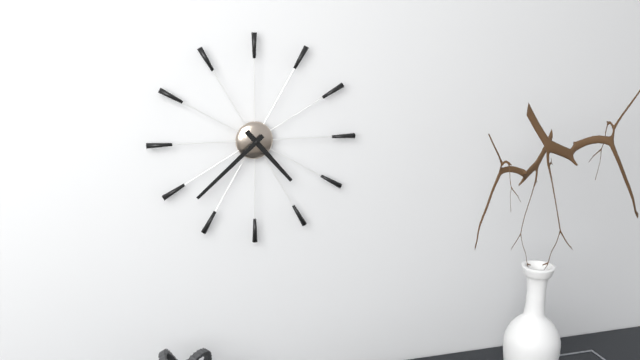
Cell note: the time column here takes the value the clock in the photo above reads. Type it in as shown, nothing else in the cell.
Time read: 4:38
